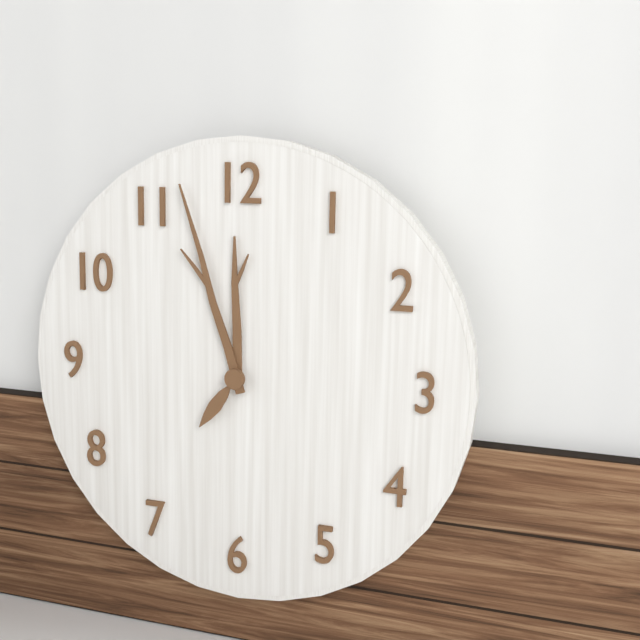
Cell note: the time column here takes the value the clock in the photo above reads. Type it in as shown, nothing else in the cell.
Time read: 11:57:36
